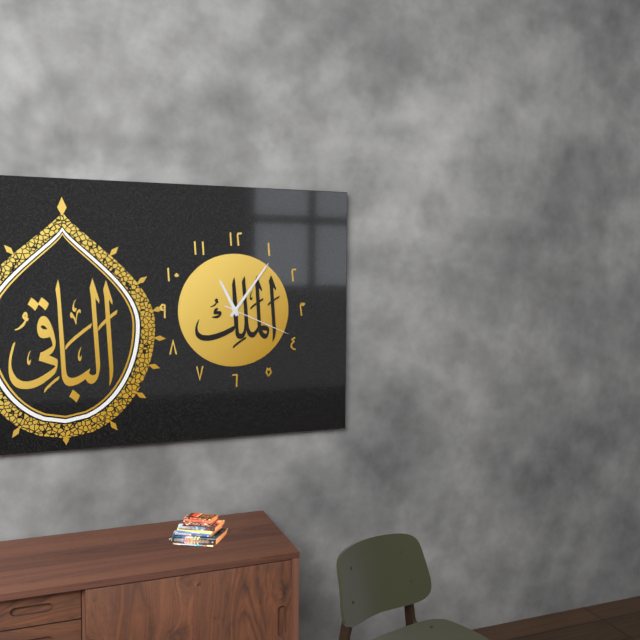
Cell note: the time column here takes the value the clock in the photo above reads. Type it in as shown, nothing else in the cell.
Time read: 11:06:19
